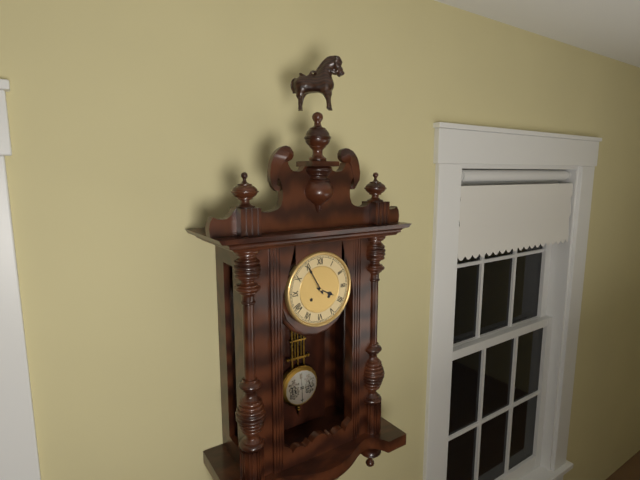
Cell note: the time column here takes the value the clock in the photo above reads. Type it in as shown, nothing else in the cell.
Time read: 3:55
